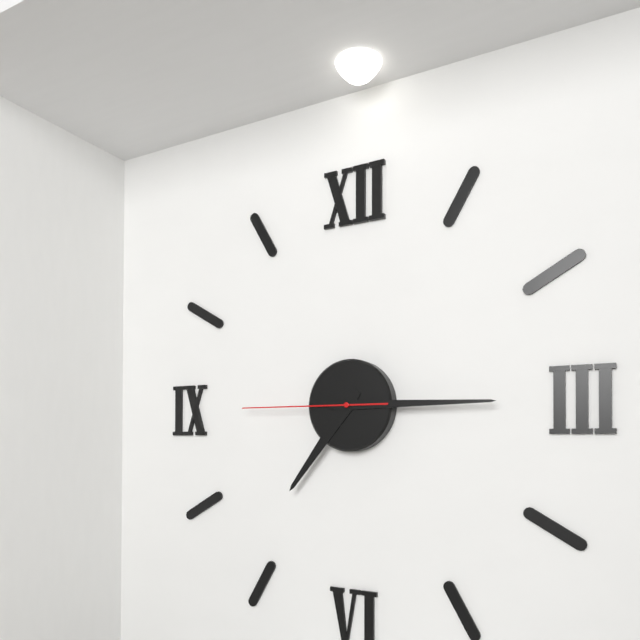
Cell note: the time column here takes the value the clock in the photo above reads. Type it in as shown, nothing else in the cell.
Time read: 7:15:45
